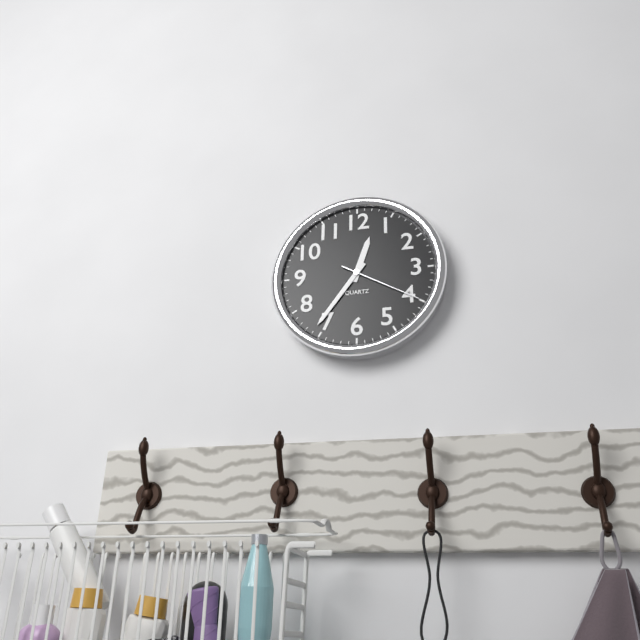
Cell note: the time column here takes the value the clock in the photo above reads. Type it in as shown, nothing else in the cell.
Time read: 12:36:20
